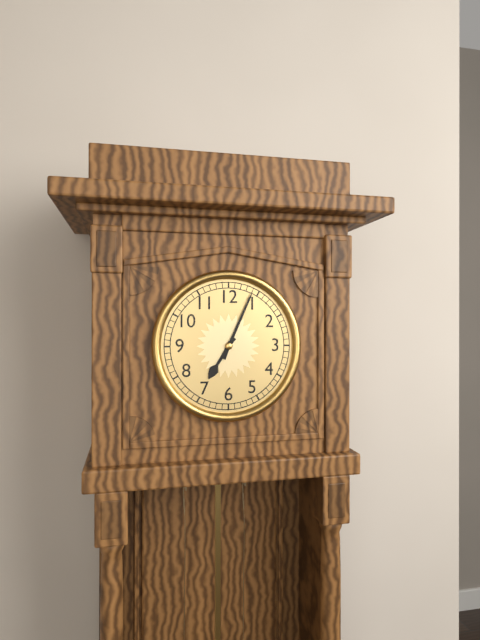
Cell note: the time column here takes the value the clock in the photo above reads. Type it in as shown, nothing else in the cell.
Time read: 7:04
